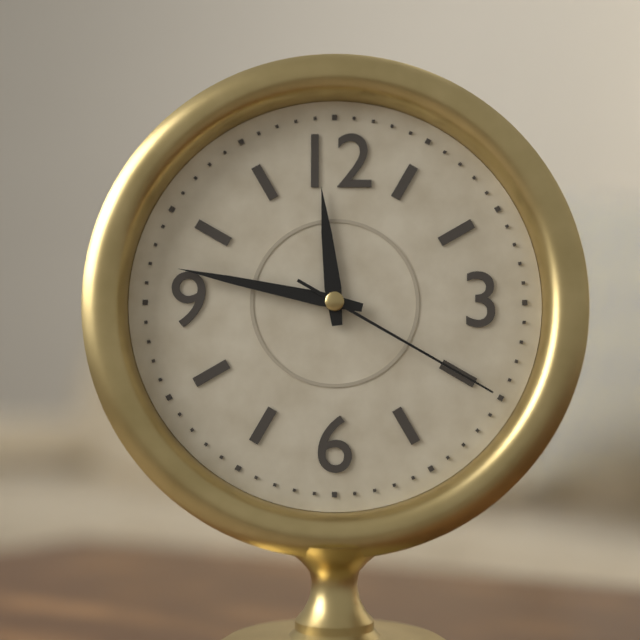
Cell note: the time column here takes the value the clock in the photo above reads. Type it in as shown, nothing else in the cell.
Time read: 11:47:20
